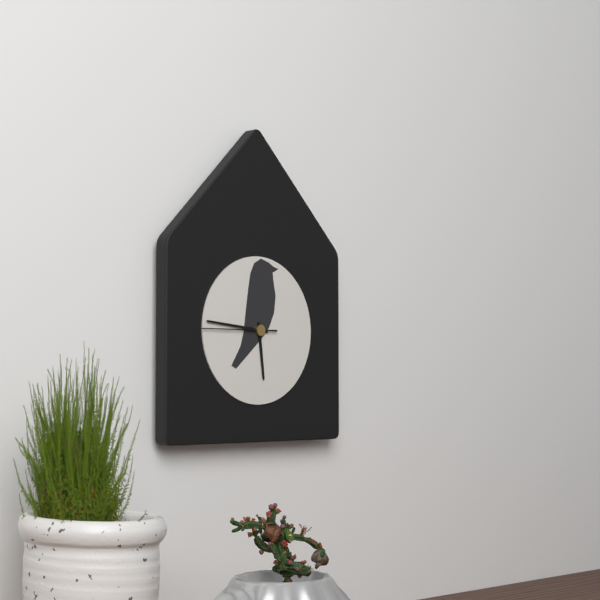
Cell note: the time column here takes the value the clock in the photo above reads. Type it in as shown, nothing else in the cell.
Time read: 5:46:45
